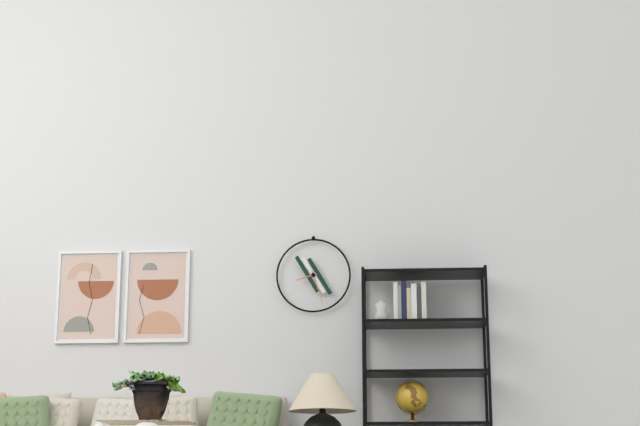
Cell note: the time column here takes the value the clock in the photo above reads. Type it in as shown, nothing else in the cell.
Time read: 8:27
